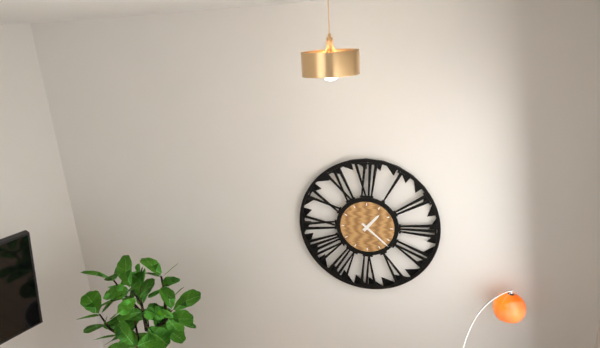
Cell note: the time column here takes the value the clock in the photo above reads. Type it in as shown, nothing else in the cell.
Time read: 1:22
